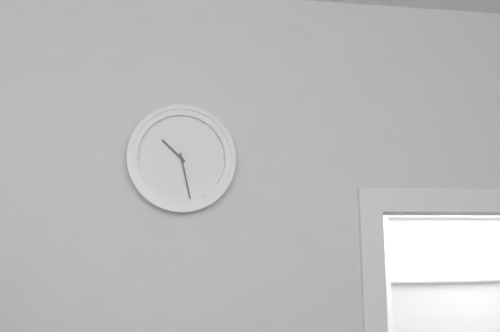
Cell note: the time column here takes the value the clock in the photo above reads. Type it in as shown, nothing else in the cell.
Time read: 10:28
